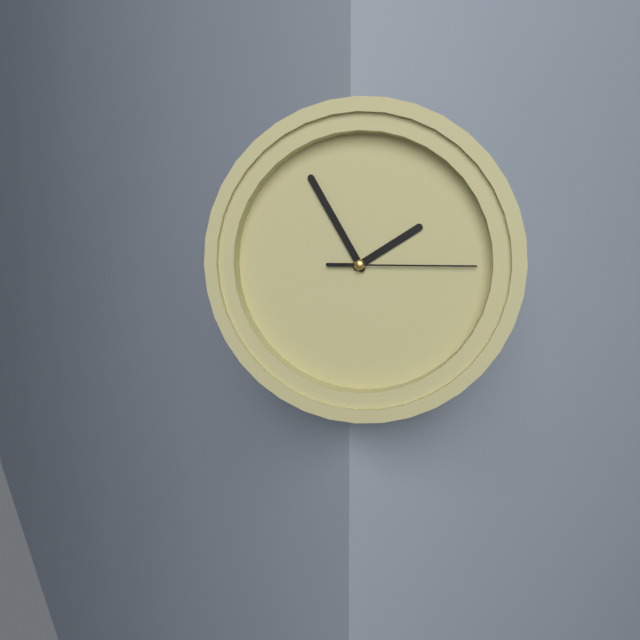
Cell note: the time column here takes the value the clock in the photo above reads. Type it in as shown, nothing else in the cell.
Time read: 1:55:15
